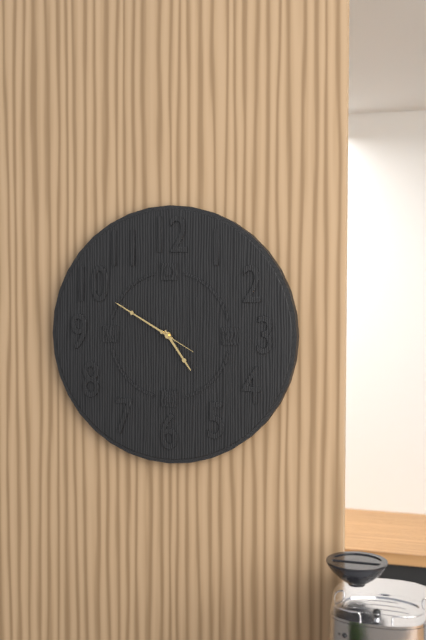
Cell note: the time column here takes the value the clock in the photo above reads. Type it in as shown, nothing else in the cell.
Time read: 4:50
